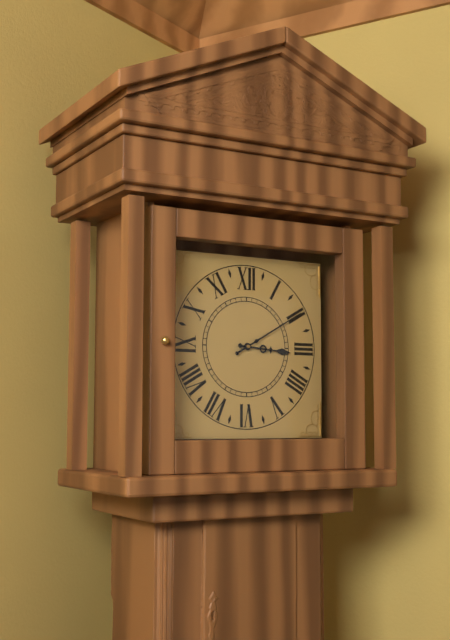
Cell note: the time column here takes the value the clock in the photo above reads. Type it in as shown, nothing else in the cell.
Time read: 3:10
